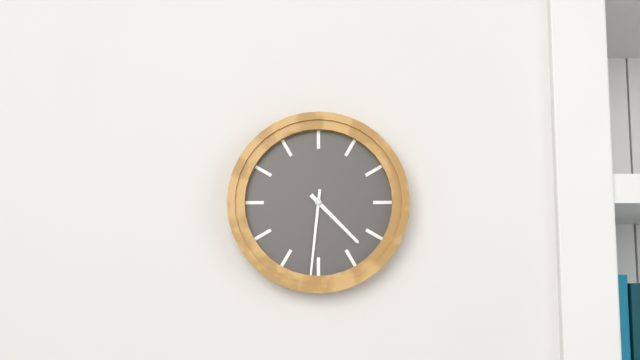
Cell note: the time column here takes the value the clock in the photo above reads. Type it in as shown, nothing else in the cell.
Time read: 4:31
